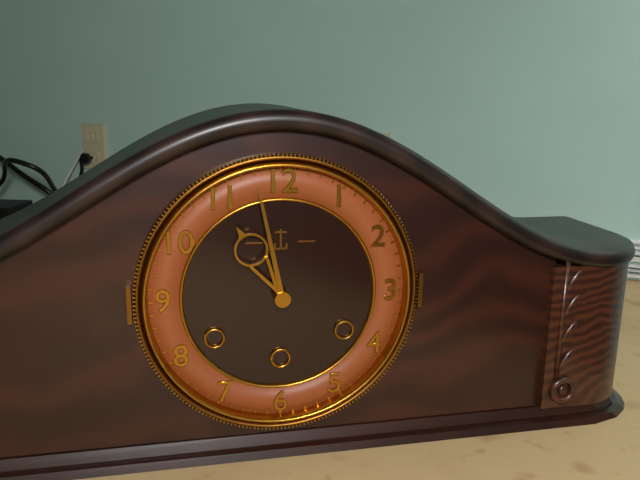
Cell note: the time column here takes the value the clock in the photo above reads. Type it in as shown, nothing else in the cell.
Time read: 10:58
